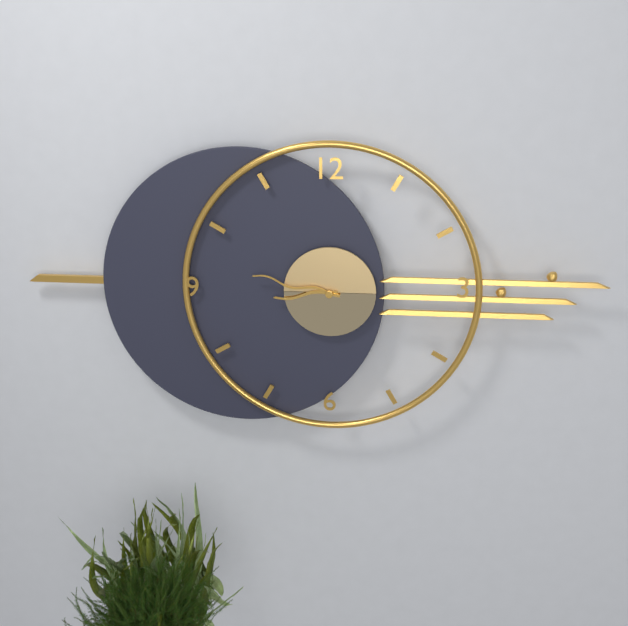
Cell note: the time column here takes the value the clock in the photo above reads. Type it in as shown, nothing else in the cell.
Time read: 8:47
